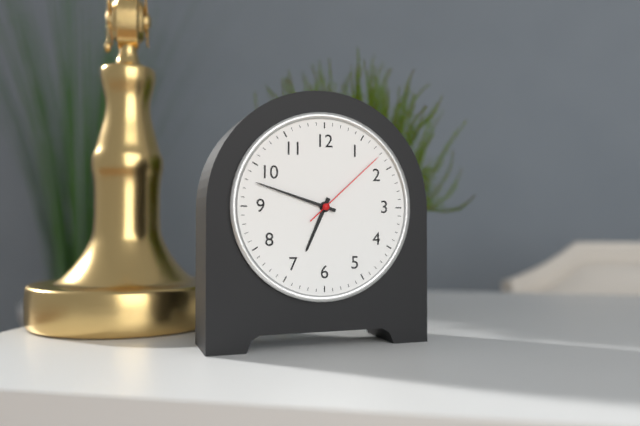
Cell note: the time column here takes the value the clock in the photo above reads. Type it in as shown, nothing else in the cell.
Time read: 6:48:08
